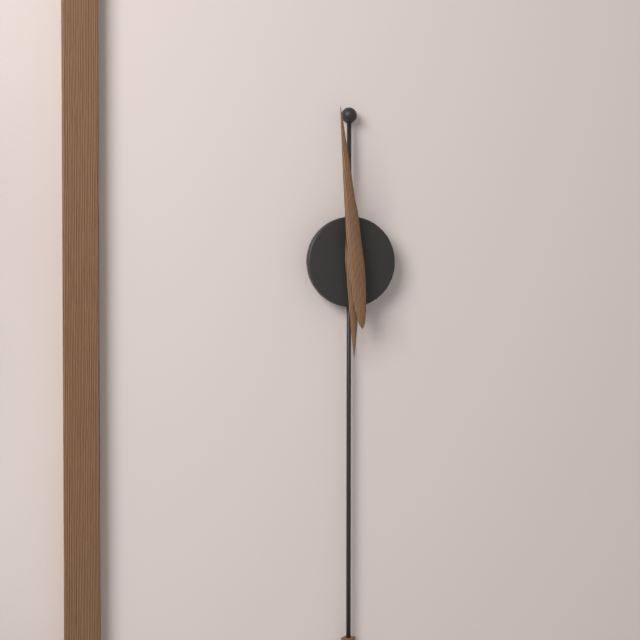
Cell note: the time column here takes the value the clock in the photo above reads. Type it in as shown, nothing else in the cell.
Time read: 5:59
